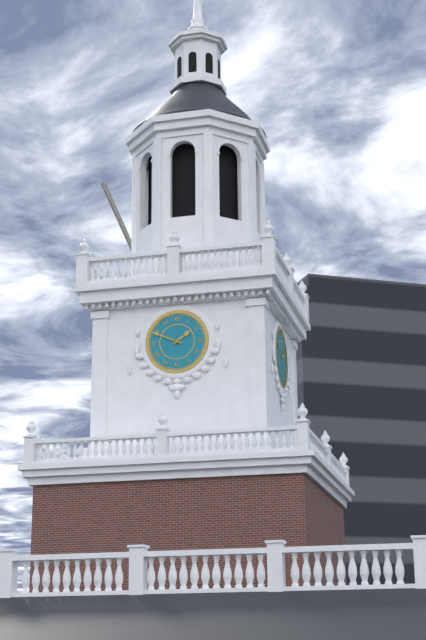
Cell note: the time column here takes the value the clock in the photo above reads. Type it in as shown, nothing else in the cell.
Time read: 1:49
